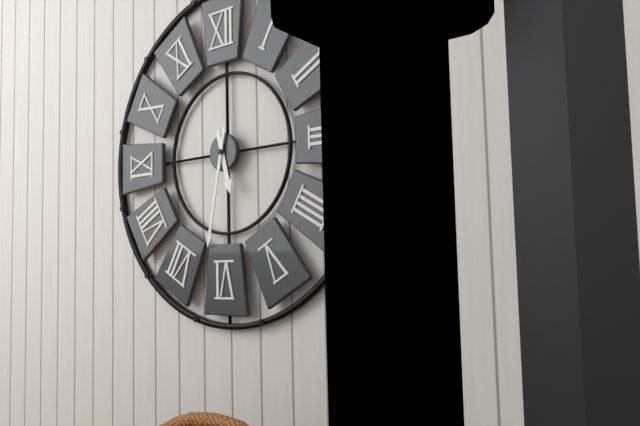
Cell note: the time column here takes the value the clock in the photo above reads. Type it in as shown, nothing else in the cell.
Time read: 5:32
